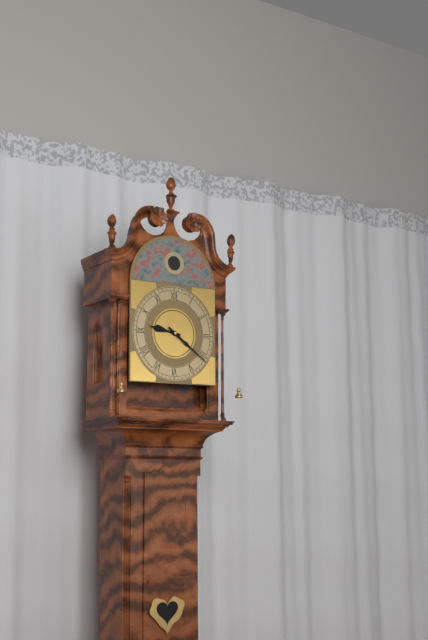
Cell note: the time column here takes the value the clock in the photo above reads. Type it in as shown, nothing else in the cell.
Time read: 9:21
